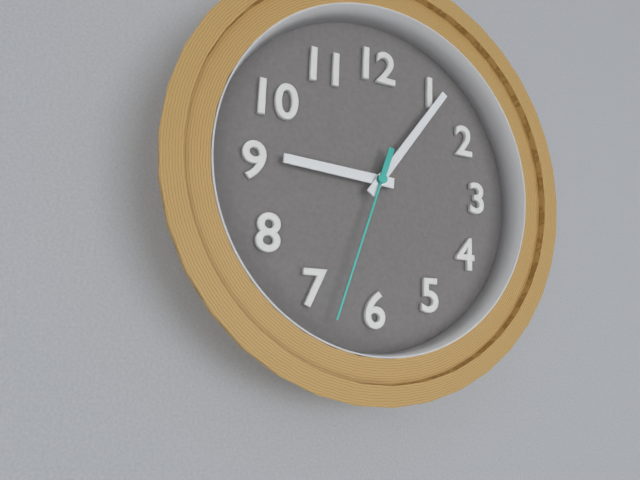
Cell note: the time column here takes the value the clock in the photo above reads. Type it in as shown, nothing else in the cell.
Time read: 9:06:33
